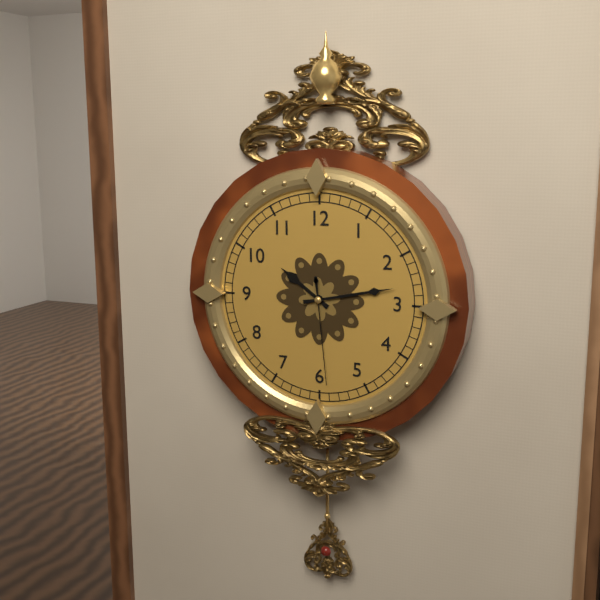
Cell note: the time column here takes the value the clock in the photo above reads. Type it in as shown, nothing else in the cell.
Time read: 10:13:29
